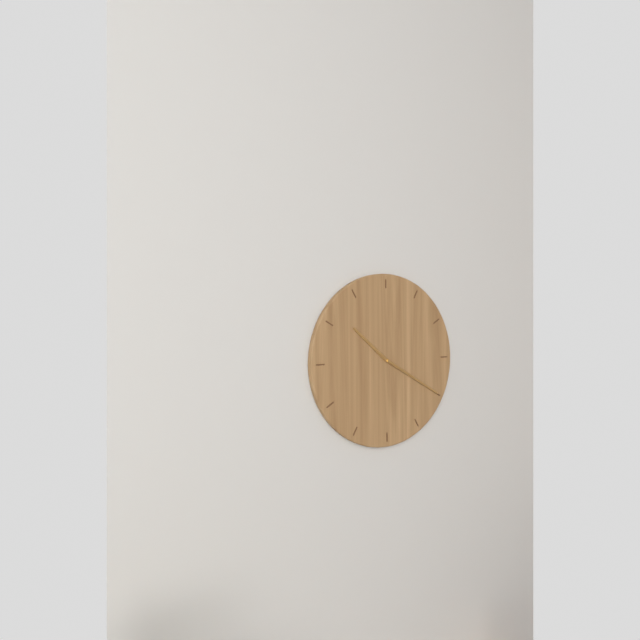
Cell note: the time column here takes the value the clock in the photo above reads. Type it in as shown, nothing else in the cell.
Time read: 10:20
